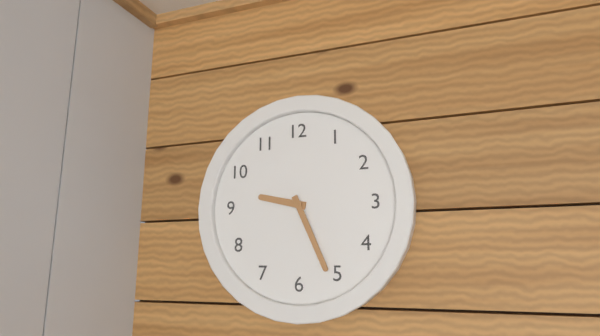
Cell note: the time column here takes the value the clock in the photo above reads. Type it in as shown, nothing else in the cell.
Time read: 9:26
